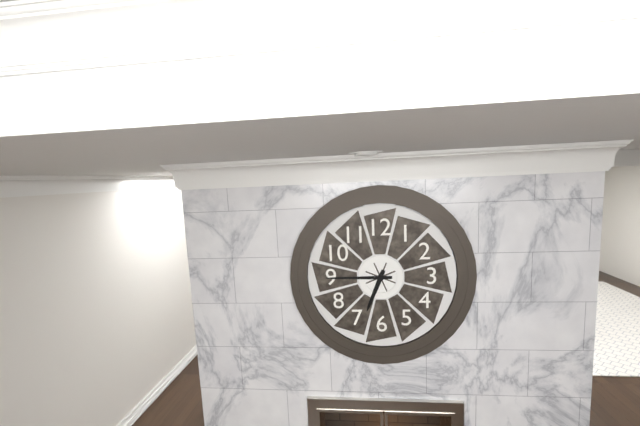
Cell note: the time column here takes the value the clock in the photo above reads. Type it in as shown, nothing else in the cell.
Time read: 6:45
